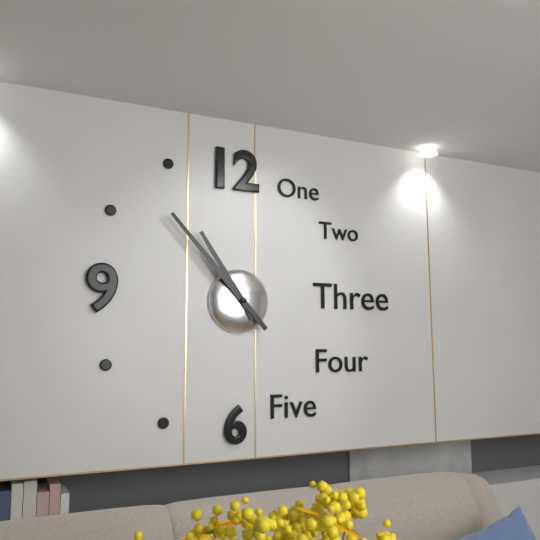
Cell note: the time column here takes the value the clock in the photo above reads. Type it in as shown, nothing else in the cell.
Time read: 10:53
